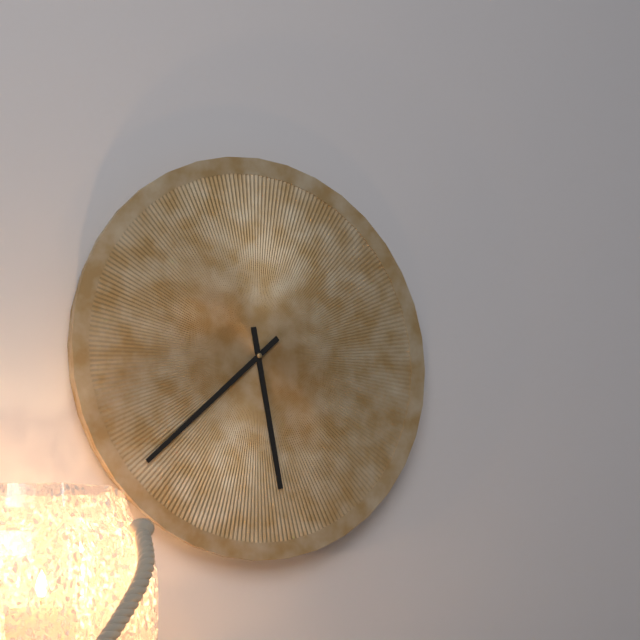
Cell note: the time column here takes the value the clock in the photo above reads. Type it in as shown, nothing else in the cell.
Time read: 5:38
